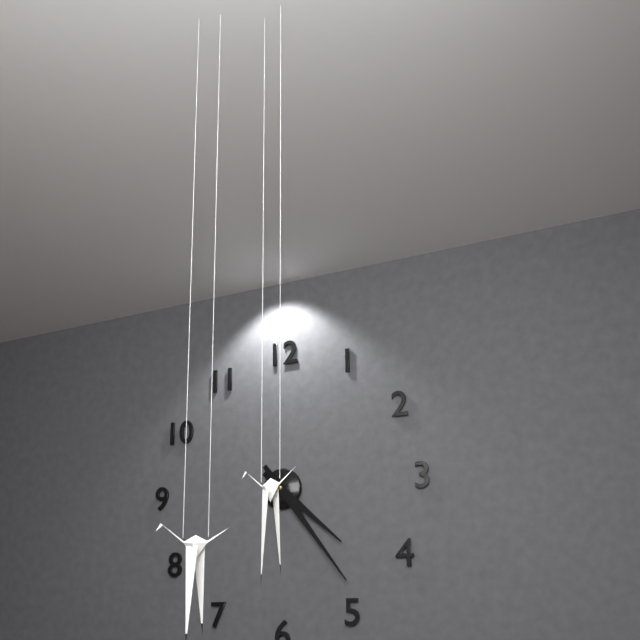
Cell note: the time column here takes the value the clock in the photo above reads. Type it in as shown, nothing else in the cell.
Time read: 4:24
